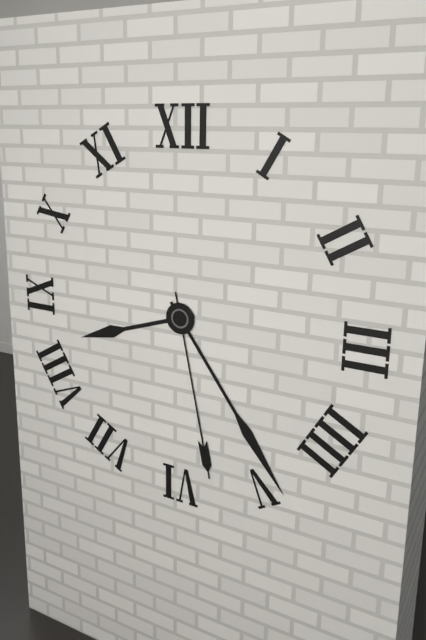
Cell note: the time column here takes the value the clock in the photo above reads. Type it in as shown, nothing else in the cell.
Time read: 8:24:28
